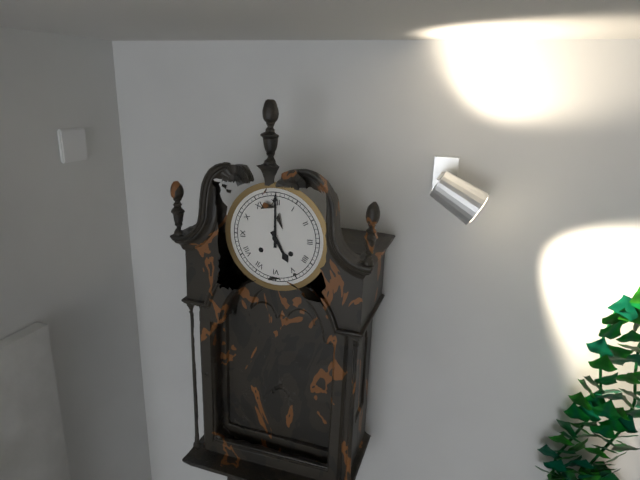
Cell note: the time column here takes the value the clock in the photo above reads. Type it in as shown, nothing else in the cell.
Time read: 5:00
